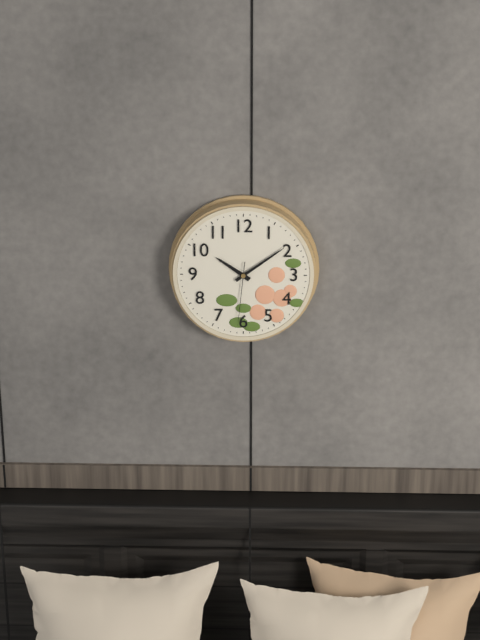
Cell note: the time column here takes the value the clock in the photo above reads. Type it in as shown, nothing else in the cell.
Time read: 10:09:31
